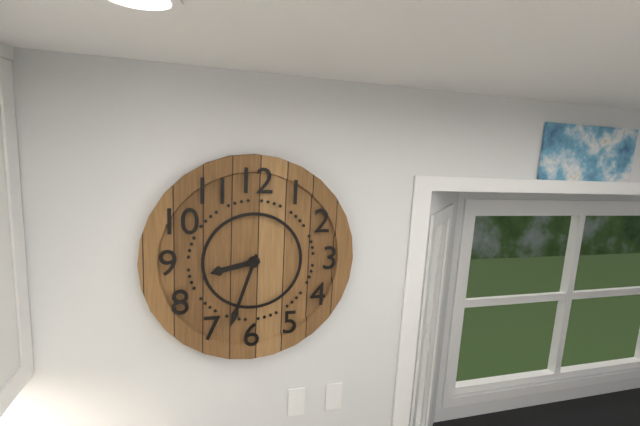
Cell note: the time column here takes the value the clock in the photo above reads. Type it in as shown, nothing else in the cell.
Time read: 8:33
